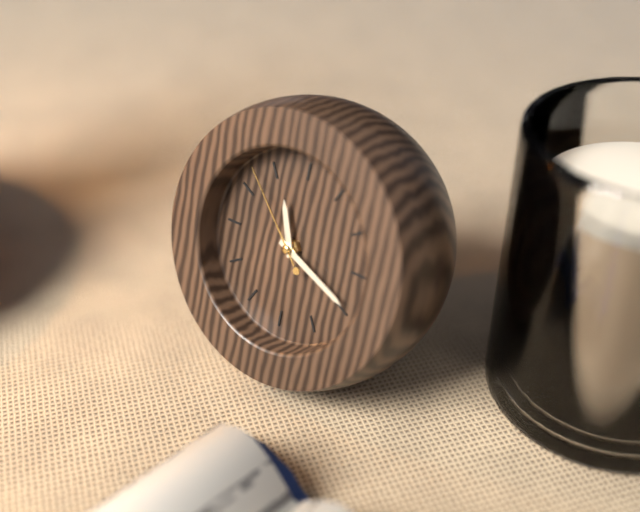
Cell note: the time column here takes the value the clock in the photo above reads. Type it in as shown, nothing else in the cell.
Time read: 11:19:53
